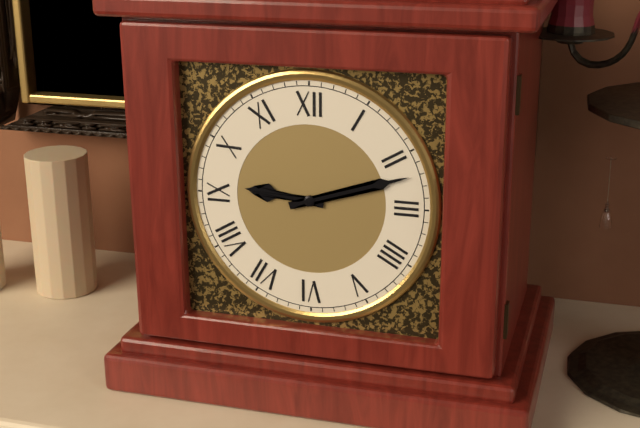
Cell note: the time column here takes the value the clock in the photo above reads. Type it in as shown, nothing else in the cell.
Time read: 9:12
